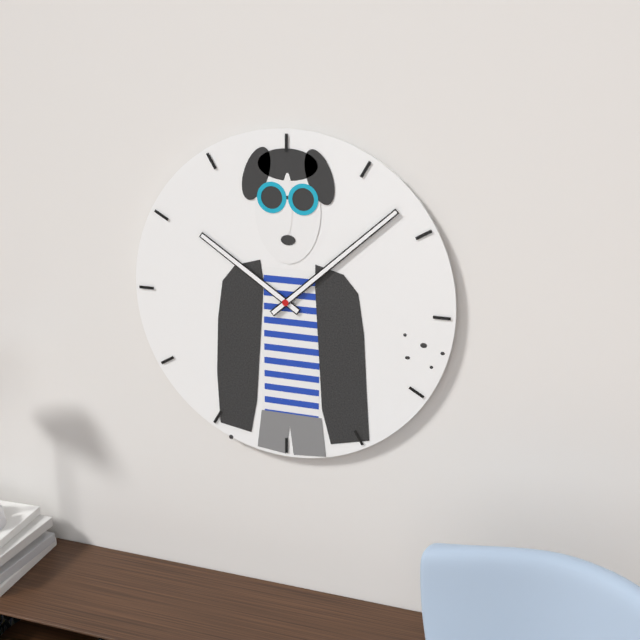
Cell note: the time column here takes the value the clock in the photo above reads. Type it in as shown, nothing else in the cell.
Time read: 10:08
